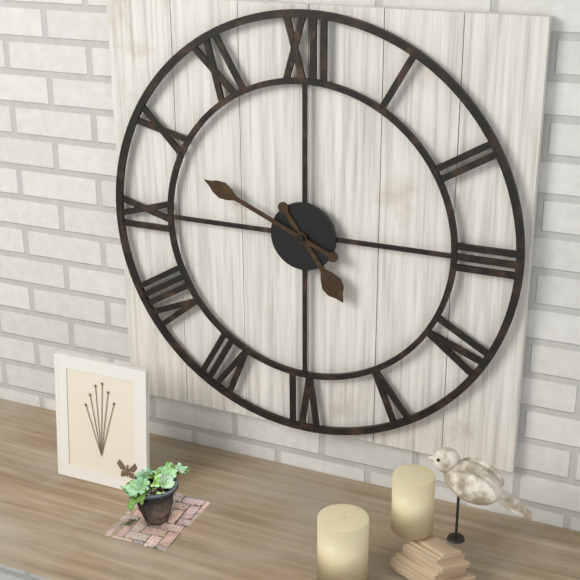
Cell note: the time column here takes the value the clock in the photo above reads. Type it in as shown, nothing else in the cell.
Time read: 4:49
